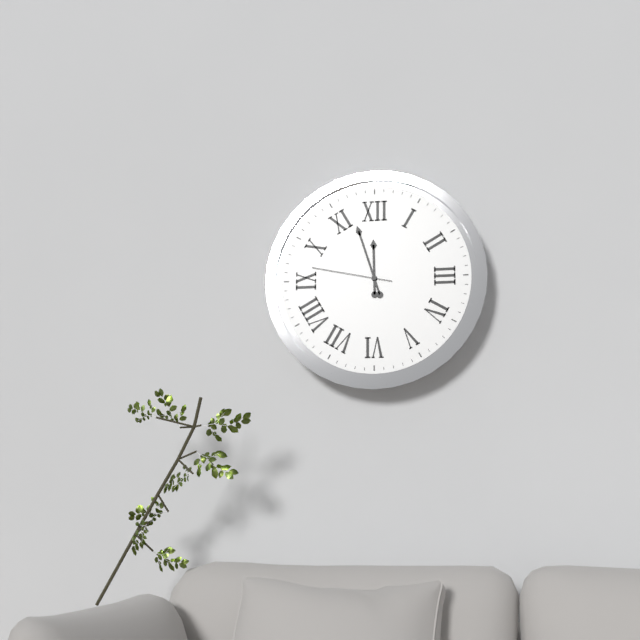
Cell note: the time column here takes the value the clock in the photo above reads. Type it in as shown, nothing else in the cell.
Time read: 11:57:47
